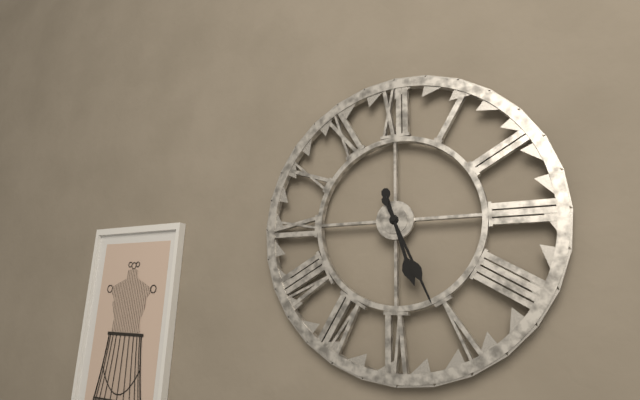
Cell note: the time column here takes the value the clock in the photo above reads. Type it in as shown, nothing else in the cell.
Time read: 5:26
